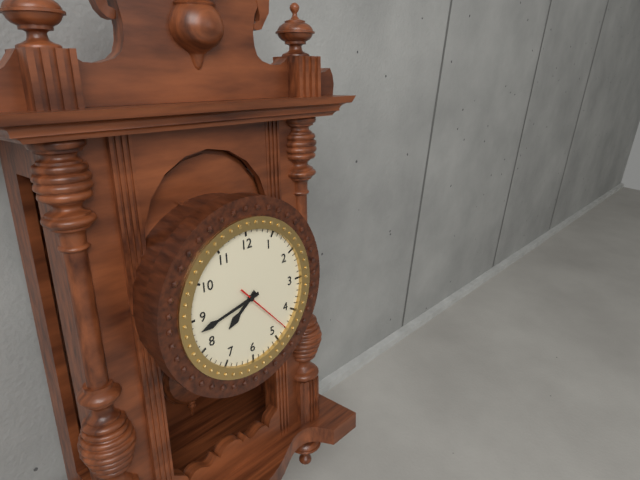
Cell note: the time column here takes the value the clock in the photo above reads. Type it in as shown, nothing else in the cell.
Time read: 7:43:23
